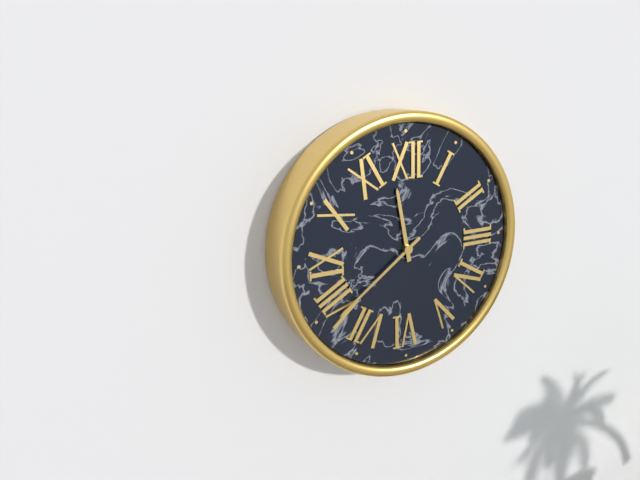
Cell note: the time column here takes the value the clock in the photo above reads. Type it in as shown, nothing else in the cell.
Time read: 11:39
